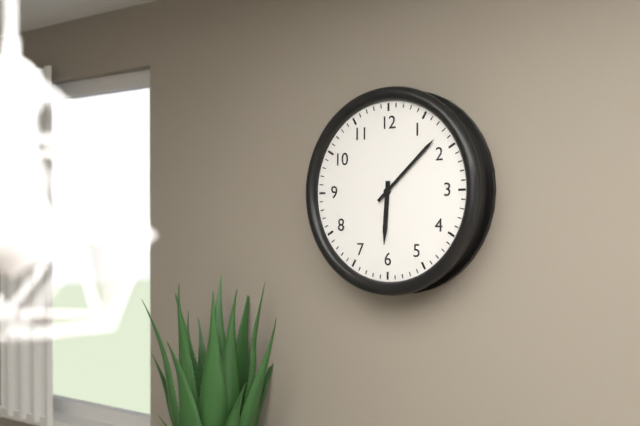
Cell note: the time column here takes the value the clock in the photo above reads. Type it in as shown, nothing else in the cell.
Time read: 6:08
